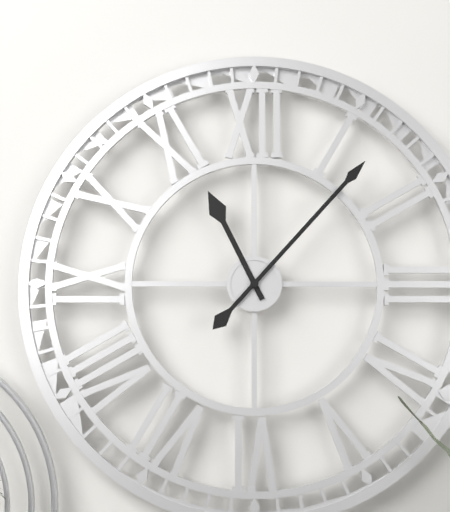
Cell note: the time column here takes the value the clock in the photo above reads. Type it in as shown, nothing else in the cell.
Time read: 11:07
